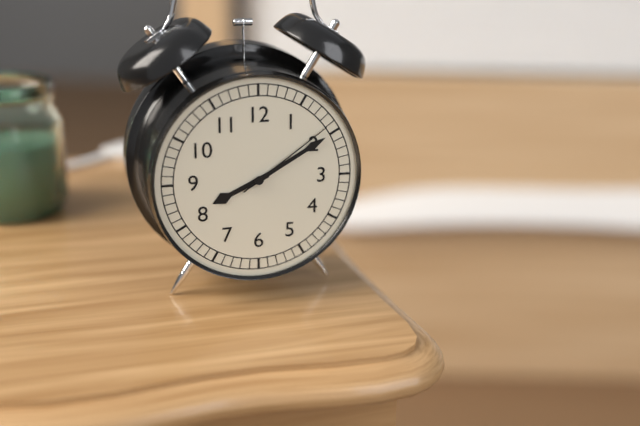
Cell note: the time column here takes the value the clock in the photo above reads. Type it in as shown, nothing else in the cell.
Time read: 8:10:09
